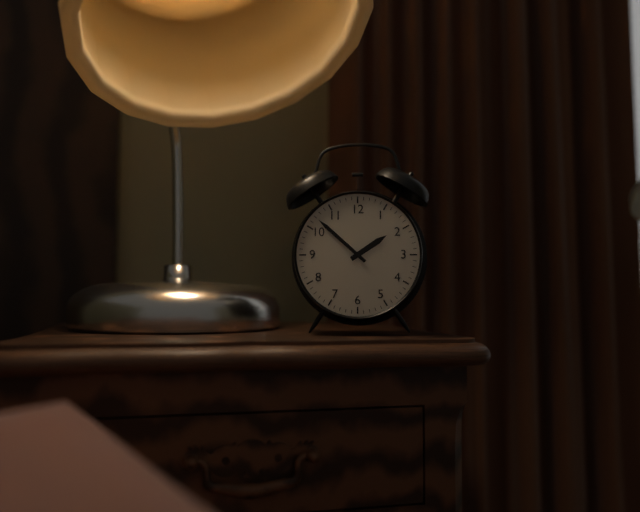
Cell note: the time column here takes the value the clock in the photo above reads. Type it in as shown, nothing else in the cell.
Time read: 1:52
